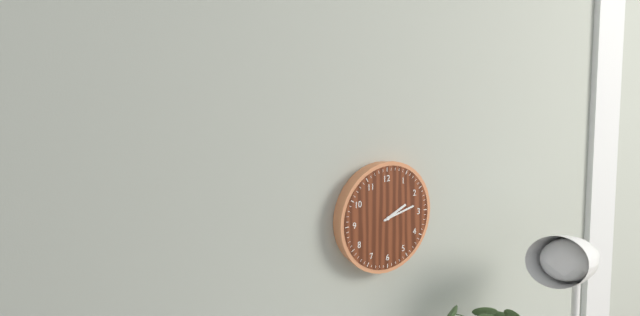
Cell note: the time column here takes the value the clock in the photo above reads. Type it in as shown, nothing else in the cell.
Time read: 2:13
